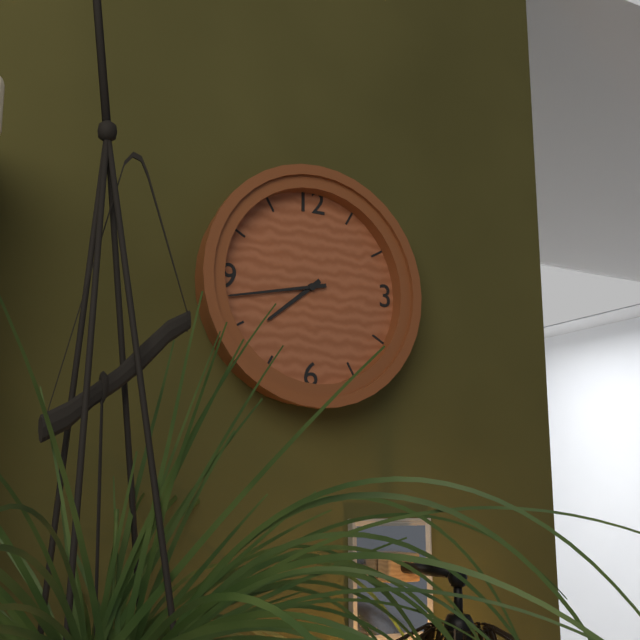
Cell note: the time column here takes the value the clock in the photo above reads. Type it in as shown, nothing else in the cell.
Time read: 7:43
